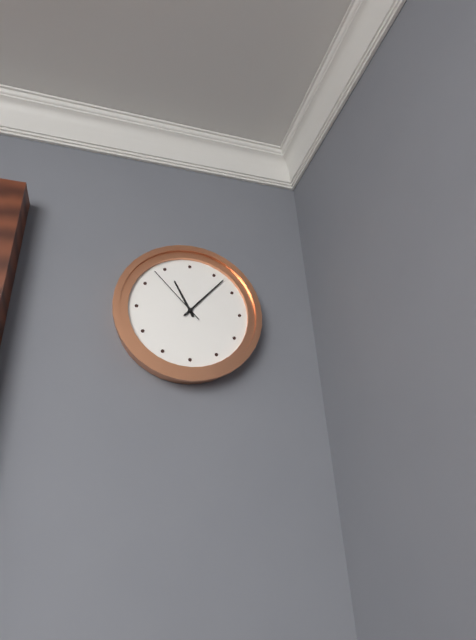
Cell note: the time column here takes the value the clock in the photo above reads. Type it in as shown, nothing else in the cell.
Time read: 11:07:53
